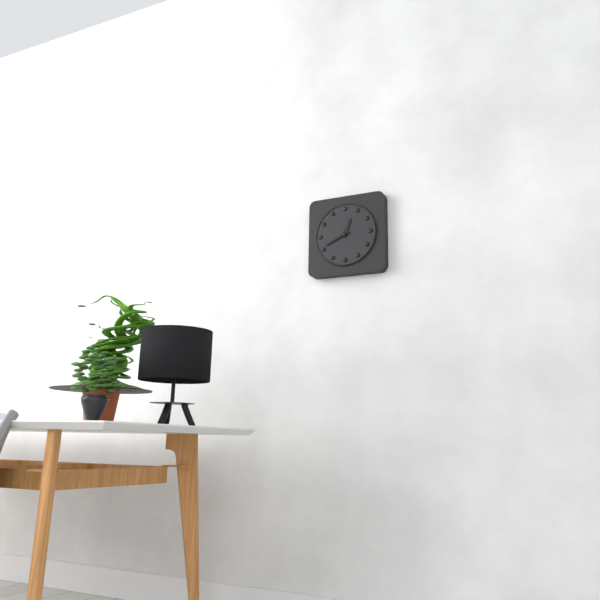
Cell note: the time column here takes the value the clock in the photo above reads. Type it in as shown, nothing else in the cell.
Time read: 12:41
